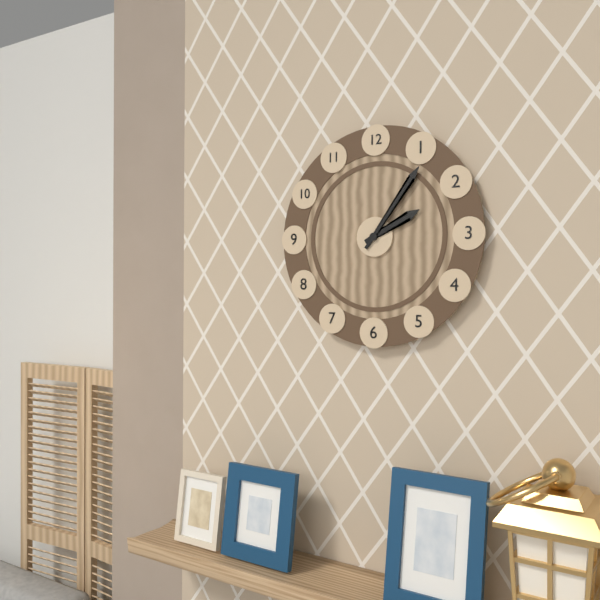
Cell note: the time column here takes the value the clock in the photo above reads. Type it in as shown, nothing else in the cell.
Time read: 2:06
